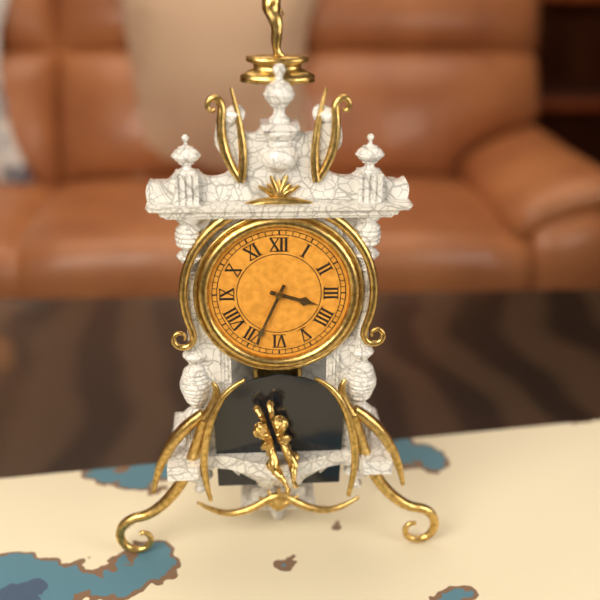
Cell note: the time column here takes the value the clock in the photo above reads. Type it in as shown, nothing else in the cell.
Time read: 3:34
